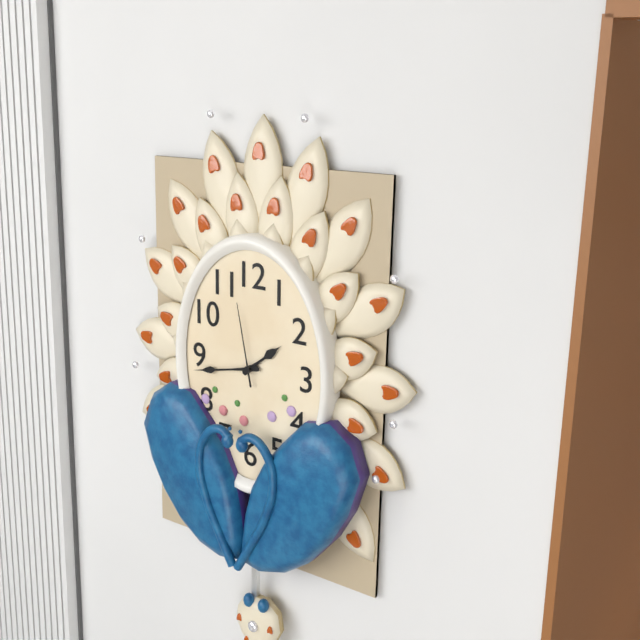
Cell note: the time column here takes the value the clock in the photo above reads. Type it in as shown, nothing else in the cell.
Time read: 1:43:58
